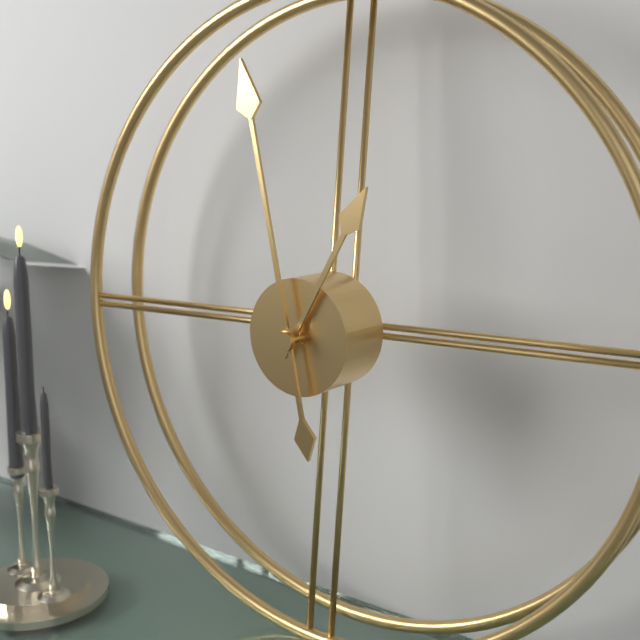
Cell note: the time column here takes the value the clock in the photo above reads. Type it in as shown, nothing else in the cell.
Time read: 12:58
